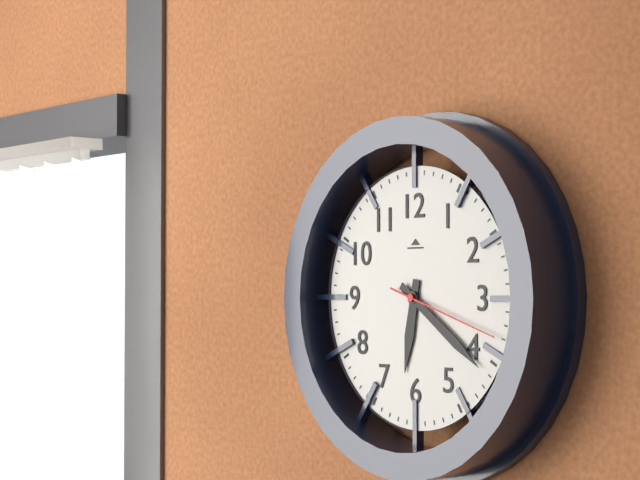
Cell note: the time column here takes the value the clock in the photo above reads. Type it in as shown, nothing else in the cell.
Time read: 6:21:18
